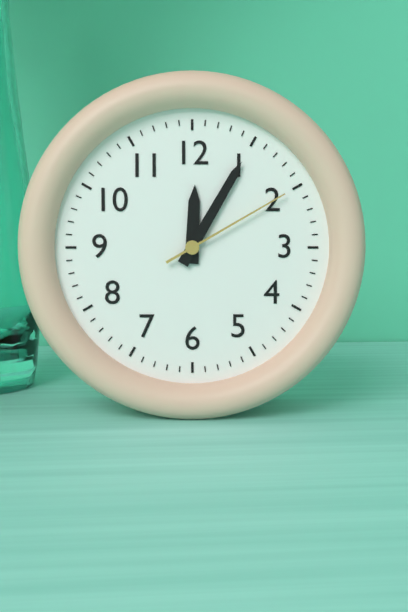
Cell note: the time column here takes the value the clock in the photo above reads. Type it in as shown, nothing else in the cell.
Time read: 12:05:10
